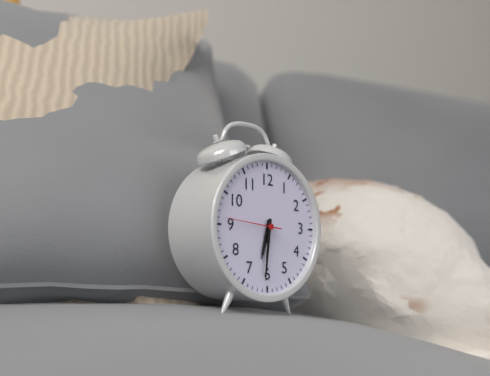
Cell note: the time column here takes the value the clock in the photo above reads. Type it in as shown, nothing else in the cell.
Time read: 6:31:46
